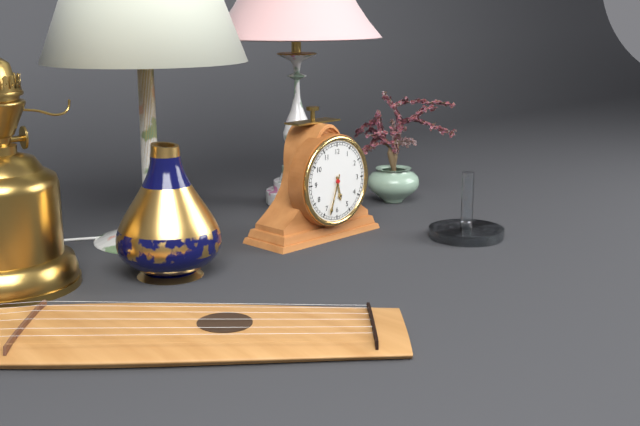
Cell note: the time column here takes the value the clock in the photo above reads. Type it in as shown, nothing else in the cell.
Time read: 5:33
